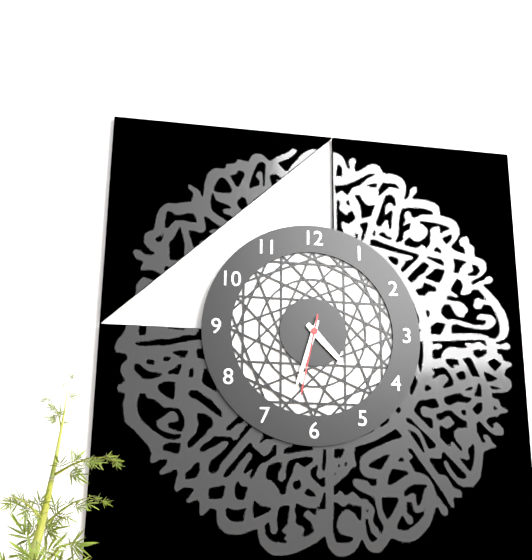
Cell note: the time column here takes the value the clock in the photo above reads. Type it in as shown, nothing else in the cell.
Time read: 4:33:32
